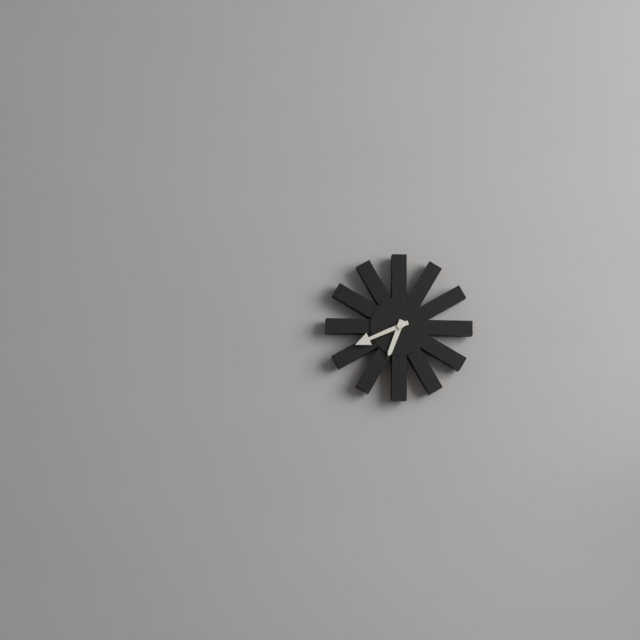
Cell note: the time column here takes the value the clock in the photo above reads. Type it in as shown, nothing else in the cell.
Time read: 6:41
